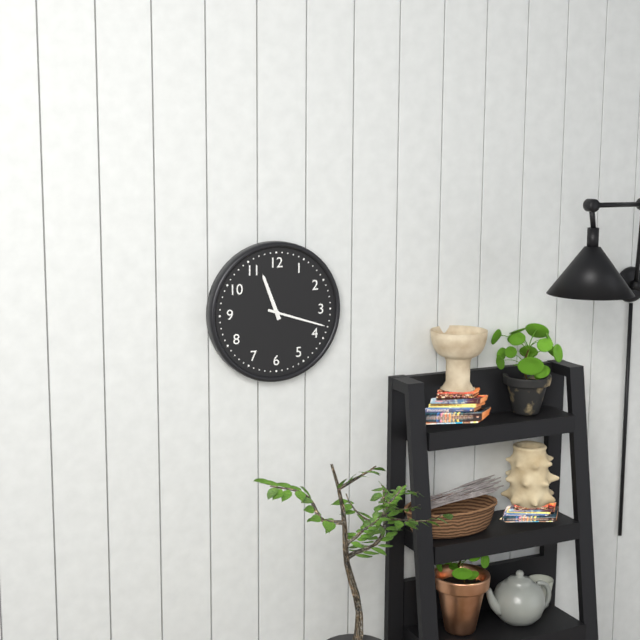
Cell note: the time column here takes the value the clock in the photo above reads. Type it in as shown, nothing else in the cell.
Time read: 11:18
